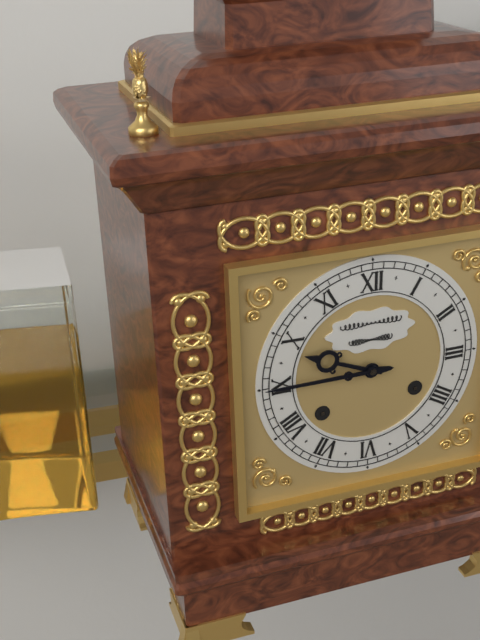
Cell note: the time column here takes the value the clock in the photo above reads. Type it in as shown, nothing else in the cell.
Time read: 9:45
